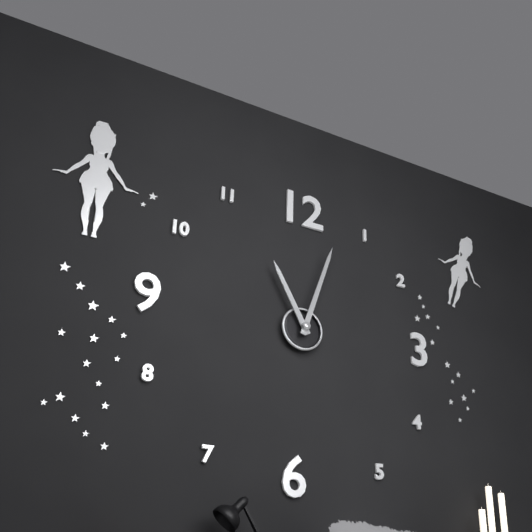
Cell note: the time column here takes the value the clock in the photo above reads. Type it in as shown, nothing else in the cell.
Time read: 11:03
